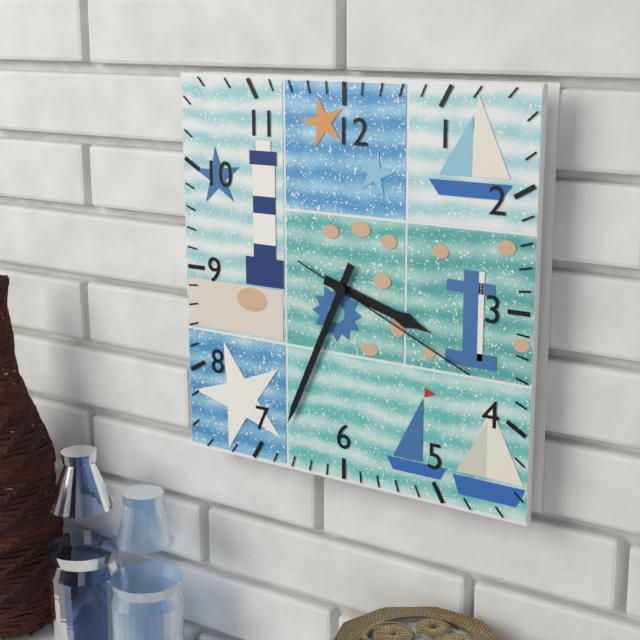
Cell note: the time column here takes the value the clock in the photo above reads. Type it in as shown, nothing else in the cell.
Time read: 3:34:19
